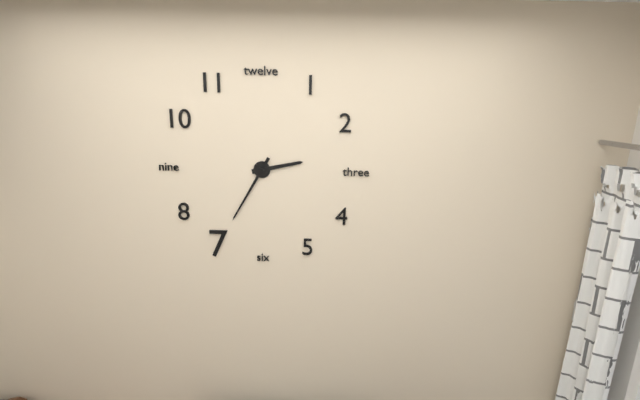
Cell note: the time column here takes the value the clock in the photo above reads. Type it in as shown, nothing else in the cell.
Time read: 2:35
